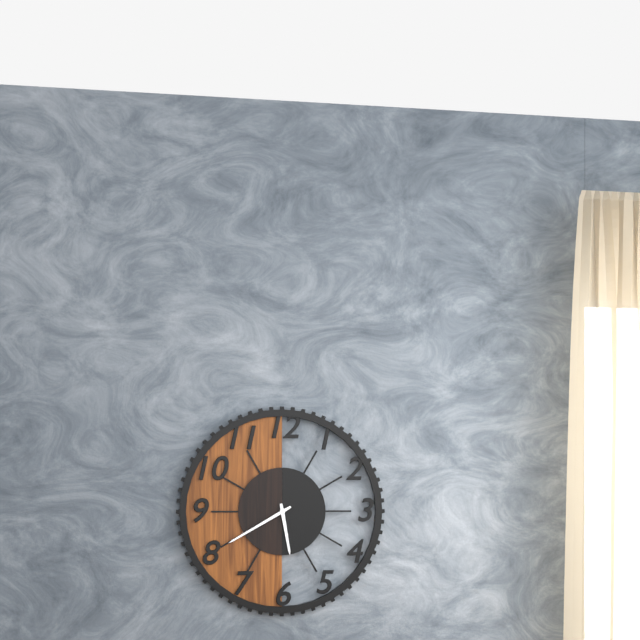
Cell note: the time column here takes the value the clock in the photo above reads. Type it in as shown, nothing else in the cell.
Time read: 5:40
